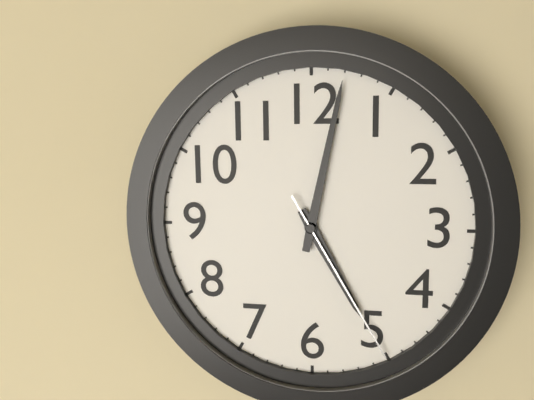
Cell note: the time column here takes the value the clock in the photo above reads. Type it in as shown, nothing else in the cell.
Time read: 5:02:25
